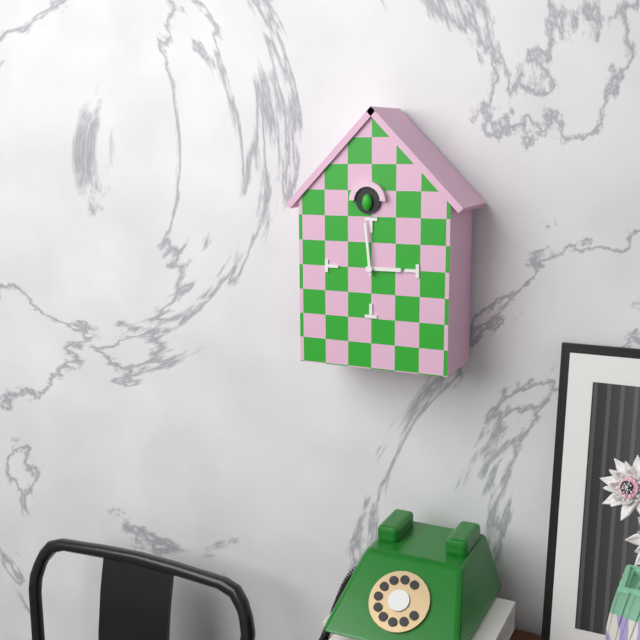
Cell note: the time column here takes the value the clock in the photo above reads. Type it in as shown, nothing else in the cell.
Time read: 2:59
